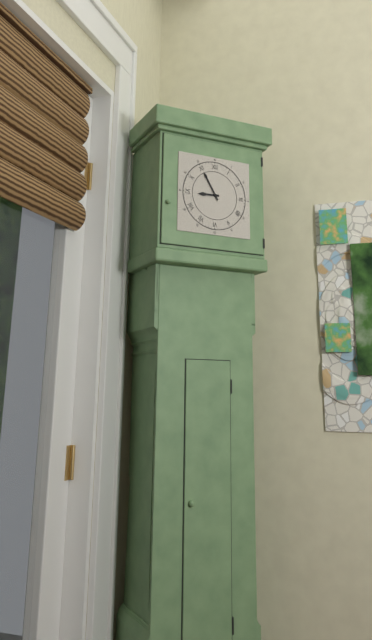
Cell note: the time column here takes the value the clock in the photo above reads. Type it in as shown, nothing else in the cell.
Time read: 8:55
